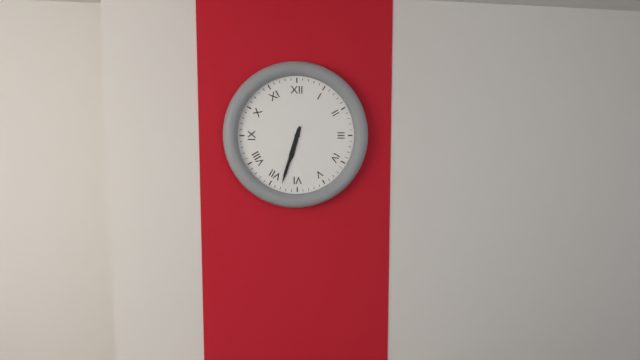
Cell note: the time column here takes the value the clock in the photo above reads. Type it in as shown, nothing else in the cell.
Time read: 6:33
